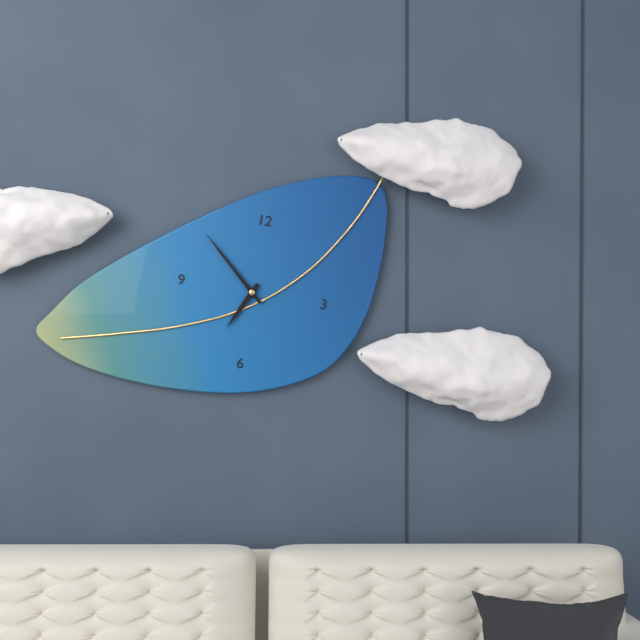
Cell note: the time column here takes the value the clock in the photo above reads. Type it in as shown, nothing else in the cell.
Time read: 6:52
